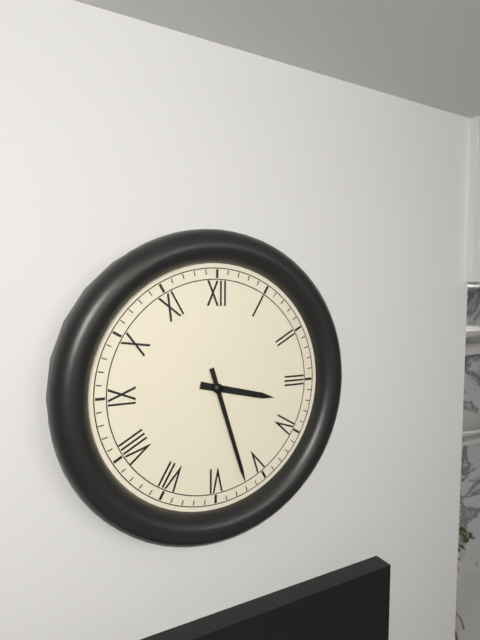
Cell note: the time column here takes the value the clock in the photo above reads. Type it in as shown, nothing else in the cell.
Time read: 3:27
